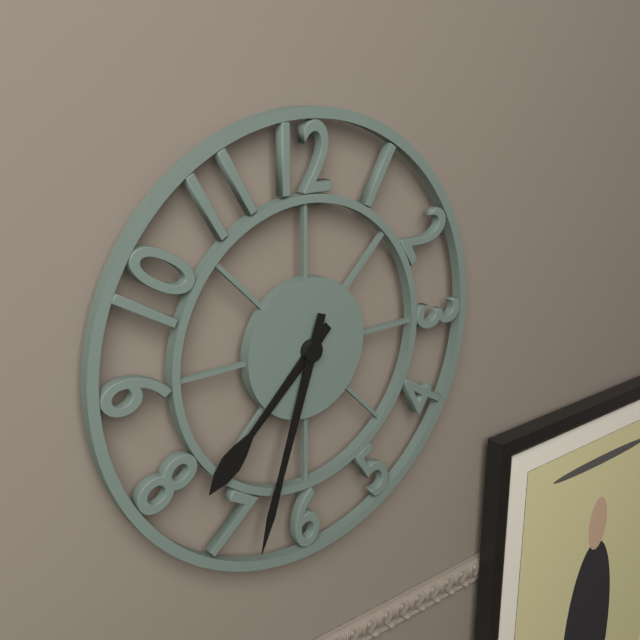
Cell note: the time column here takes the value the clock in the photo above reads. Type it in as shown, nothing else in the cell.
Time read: 7:33
